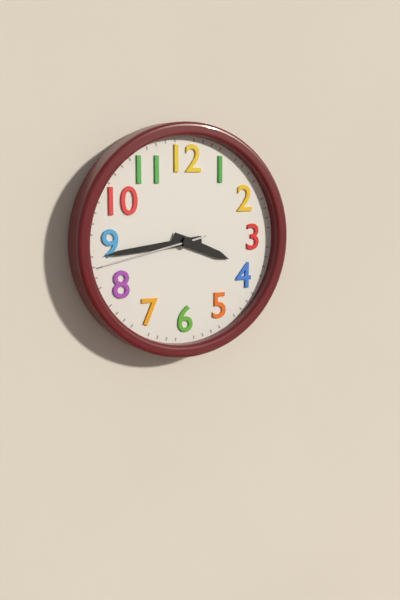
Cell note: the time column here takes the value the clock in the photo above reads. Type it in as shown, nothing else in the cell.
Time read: 3:44:43
